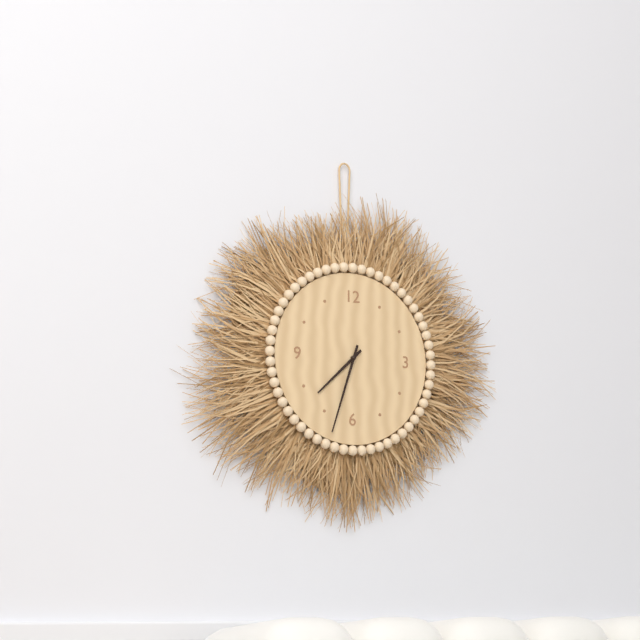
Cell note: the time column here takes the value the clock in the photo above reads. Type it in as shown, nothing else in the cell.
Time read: 7:33
